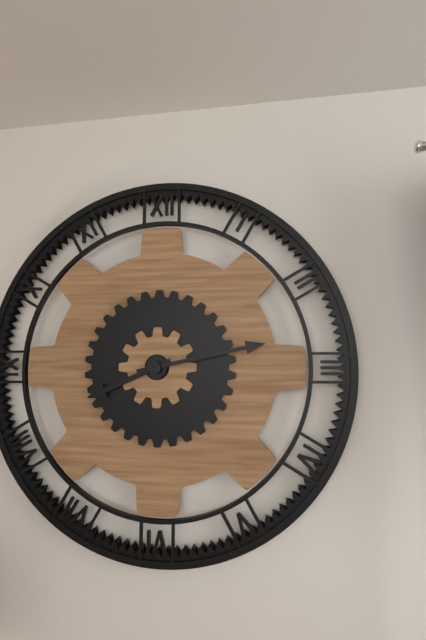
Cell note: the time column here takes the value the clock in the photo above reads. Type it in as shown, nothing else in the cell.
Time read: 8:13
